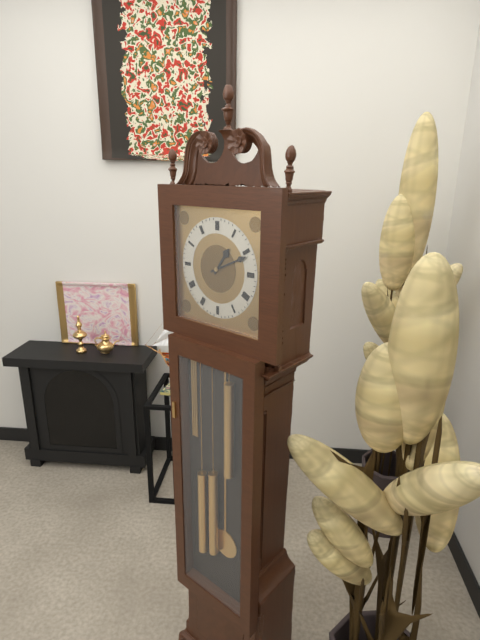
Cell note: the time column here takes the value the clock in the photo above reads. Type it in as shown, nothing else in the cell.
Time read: 1:11
